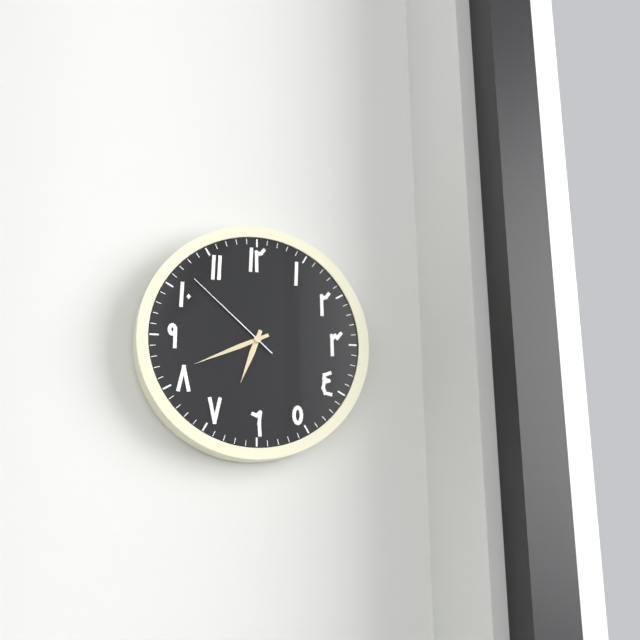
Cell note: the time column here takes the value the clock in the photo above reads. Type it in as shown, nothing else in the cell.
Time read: 6:41:52
